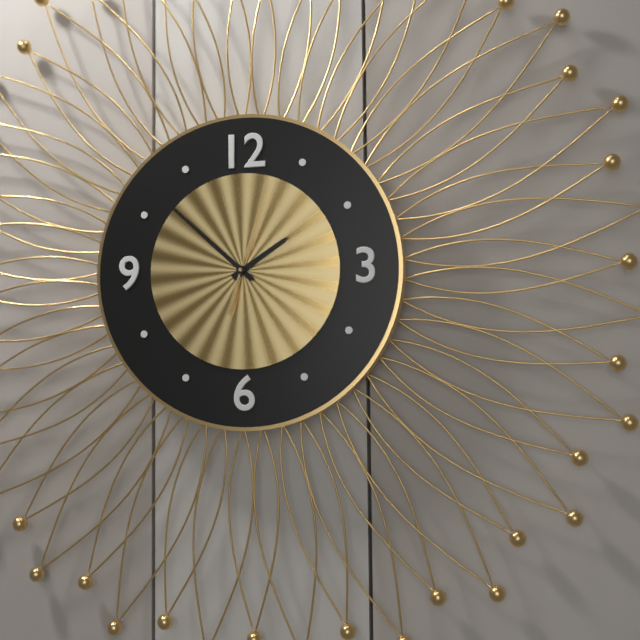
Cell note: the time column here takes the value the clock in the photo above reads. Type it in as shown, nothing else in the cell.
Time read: 1:52:03
